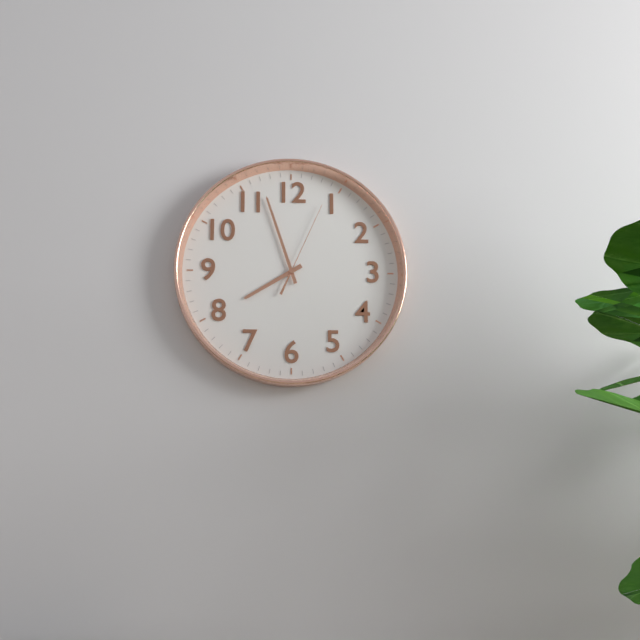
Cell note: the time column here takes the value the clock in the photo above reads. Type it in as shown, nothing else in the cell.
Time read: 7:57:04
